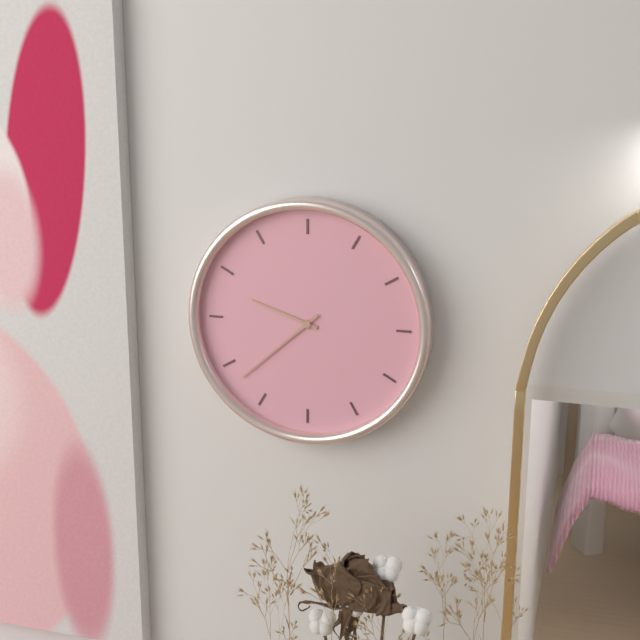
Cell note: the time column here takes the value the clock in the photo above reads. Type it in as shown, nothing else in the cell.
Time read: 9:38
